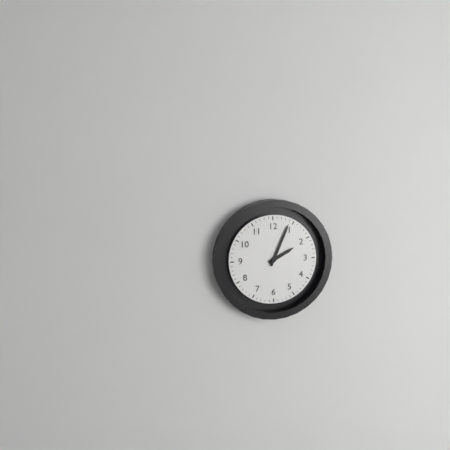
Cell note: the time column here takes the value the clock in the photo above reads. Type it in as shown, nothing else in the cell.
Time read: 2:04
